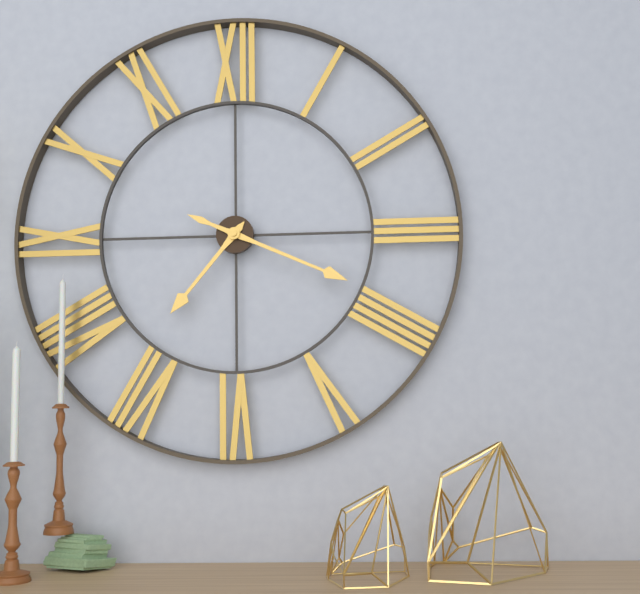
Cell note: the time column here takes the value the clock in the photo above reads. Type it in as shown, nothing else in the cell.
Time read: 7:19
